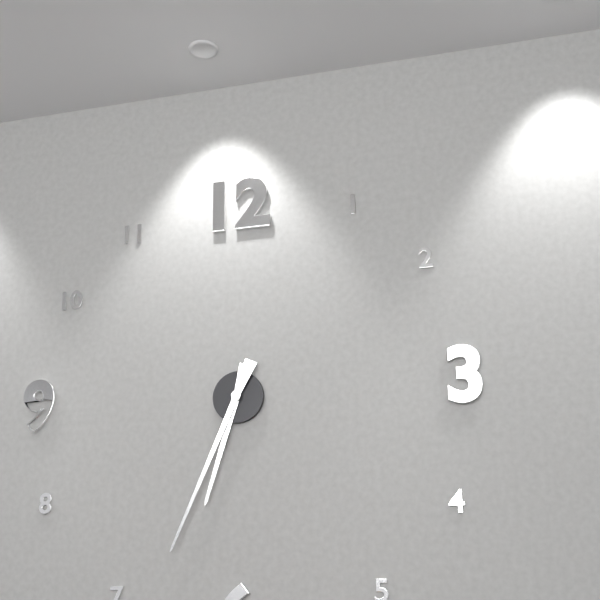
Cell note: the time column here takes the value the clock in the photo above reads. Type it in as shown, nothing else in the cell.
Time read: 6:34
